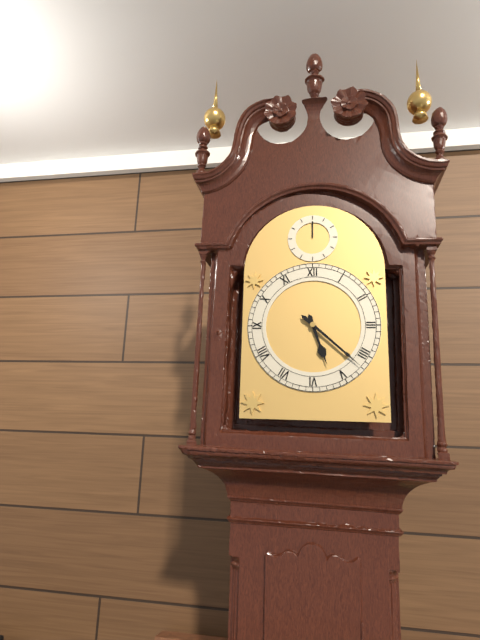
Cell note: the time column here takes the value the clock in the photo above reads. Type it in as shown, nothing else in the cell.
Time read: 5:22
